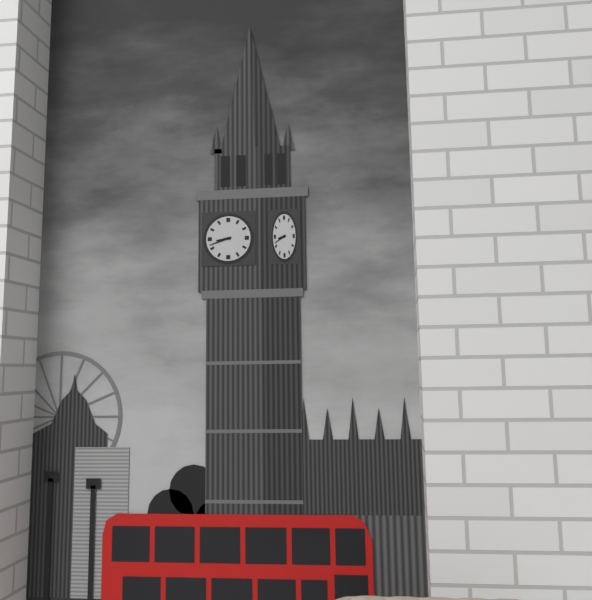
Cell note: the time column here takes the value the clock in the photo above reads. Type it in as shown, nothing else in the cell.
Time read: 8:42
